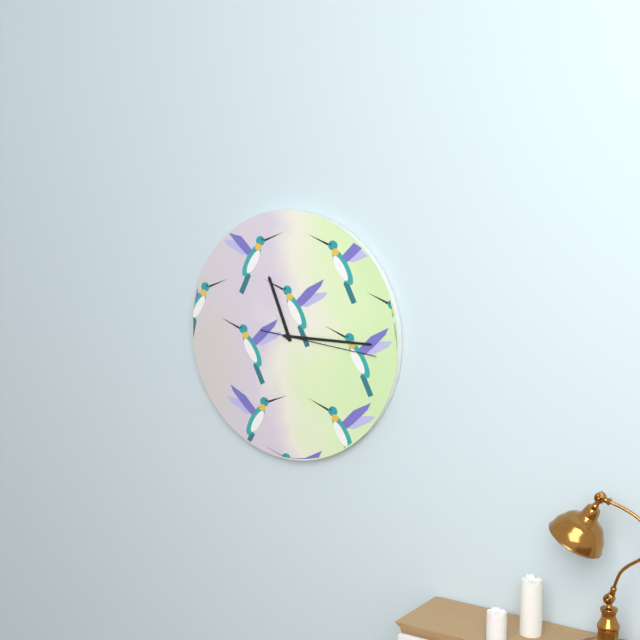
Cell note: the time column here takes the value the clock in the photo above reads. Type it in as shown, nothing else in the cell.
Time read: 11:15:16
